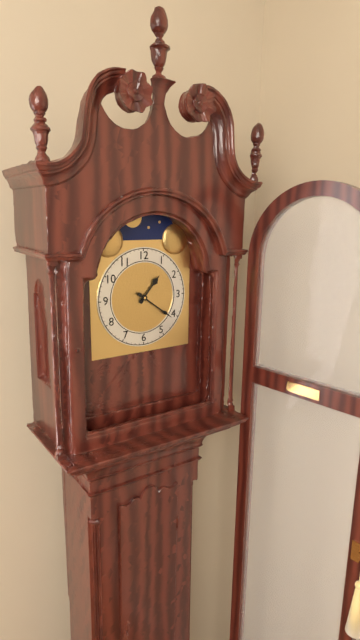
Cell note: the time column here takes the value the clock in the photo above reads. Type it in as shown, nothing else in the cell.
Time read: 1:21
